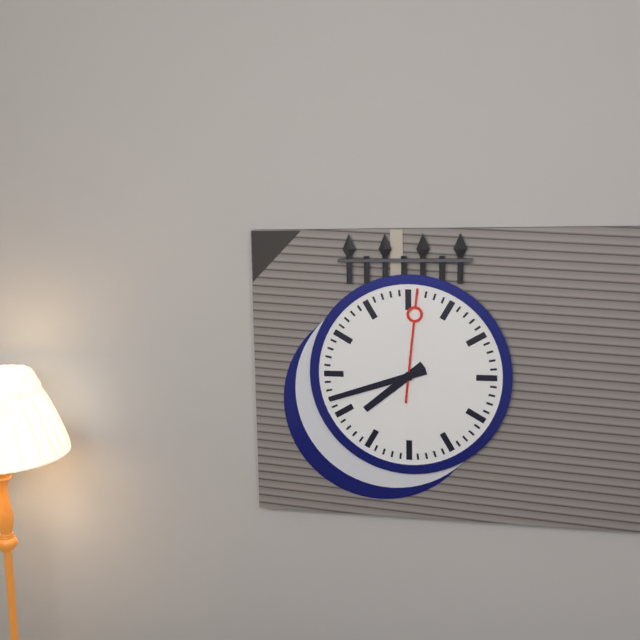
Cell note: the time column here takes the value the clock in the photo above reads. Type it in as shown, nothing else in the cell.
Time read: 7:42:01
